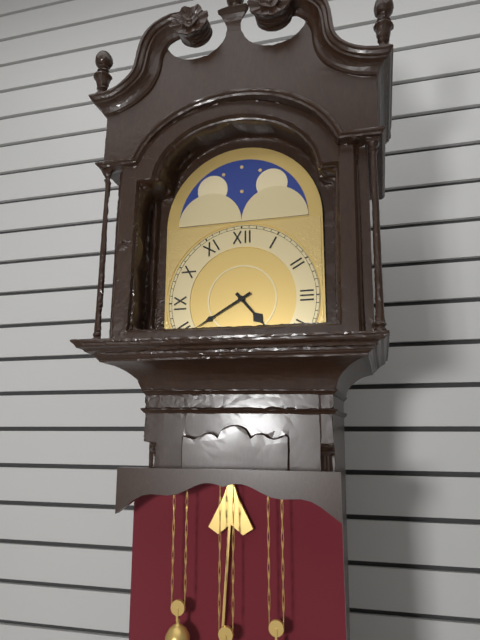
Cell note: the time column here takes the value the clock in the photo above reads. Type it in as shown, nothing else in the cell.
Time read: 4:40
